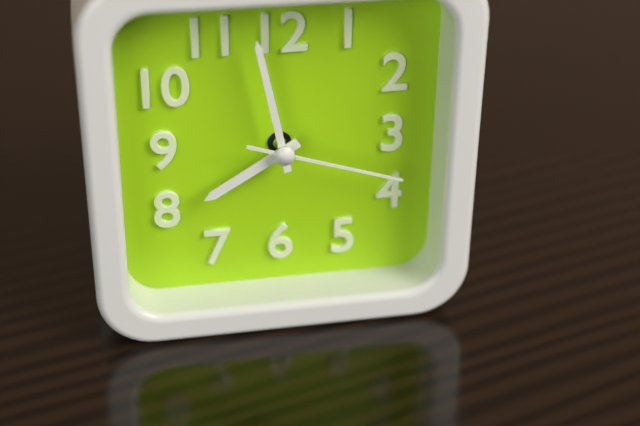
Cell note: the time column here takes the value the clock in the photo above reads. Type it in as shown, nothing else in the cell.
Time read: 7:58:18
